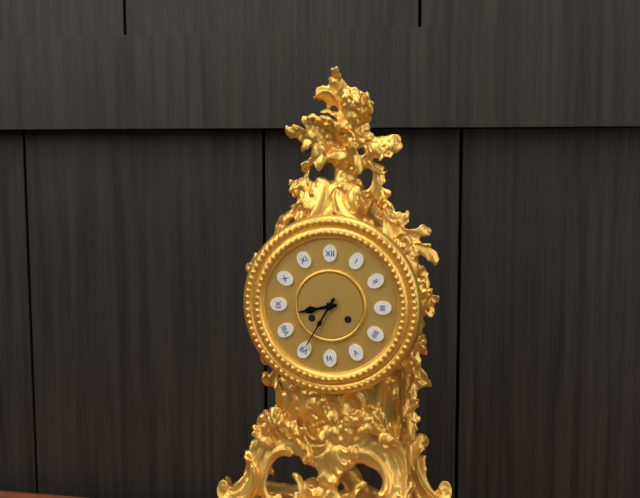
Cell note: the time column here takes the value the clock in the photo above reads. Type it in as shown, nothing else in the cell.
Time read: 8:35
